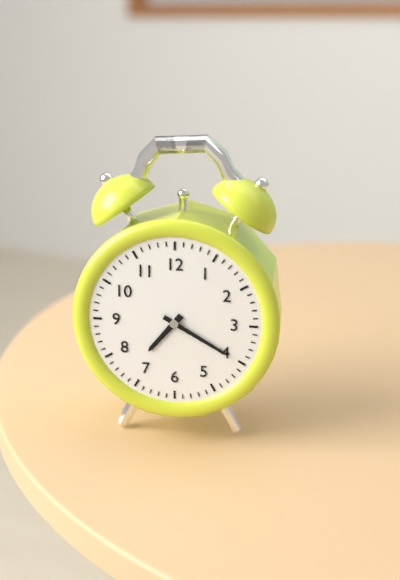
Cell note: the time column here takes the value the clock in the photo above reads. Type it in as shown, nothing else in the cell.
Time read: 7:20
